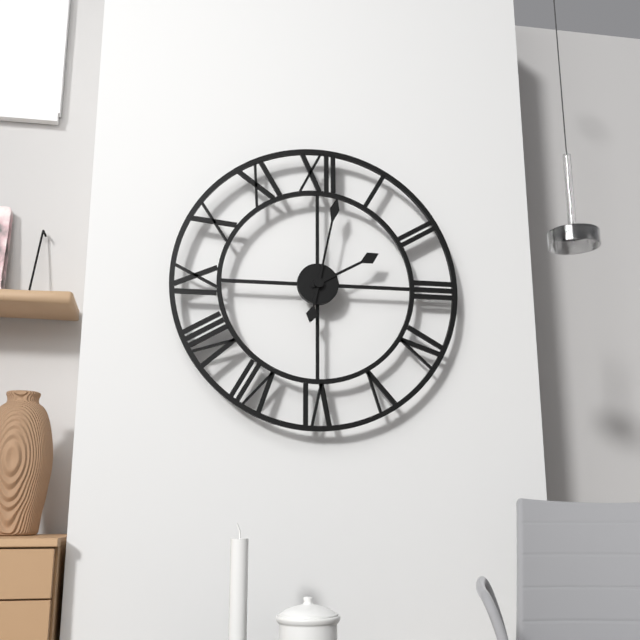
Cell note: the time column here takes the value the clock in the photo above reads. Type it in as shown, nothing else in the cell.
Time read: 2:02
